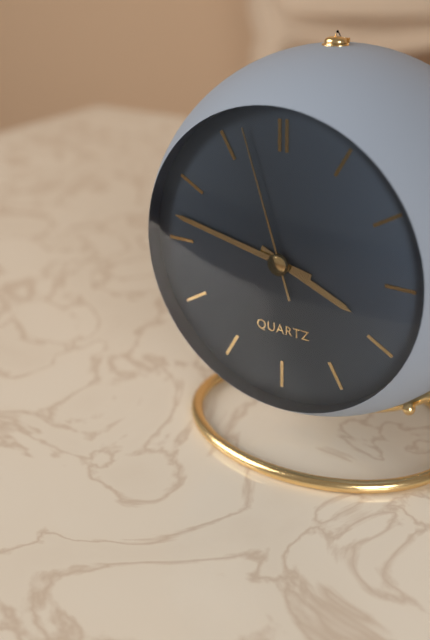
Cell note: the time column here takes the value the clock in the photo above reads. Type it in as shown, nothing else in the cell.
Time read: 3:47:57
